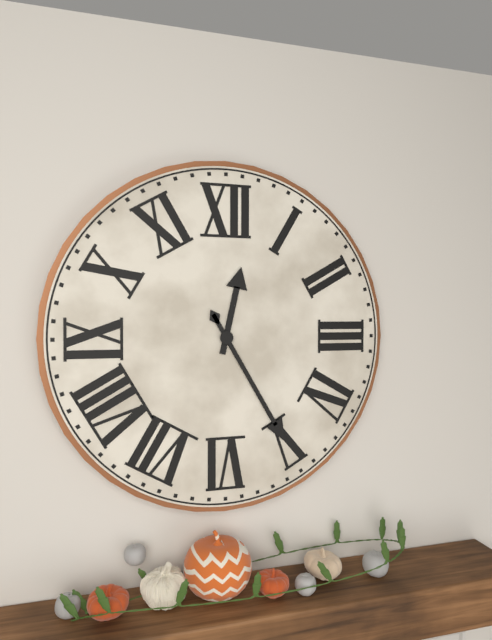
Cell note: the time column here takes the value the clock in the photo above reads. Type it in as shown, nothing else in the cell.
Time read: 12:25
